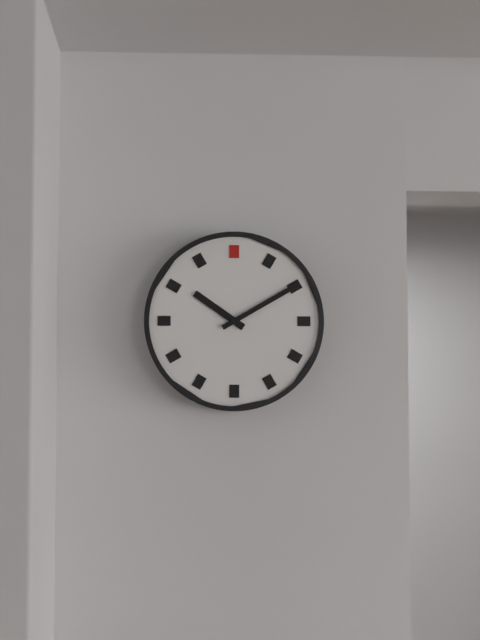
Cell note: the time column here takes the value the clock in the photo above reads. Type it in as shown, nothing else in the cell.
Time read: 10:10
